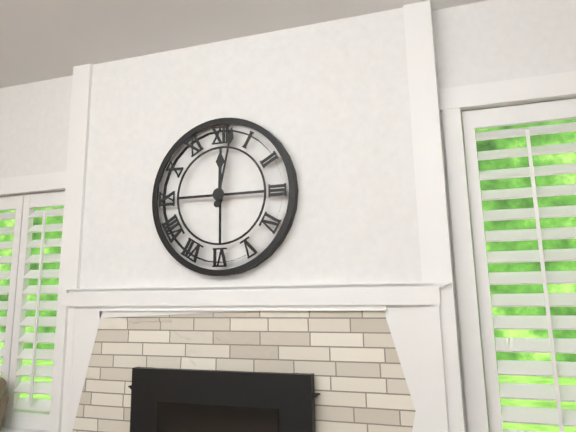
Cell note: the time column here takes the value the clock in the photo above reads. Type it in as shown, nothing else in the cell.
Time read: 12:02
